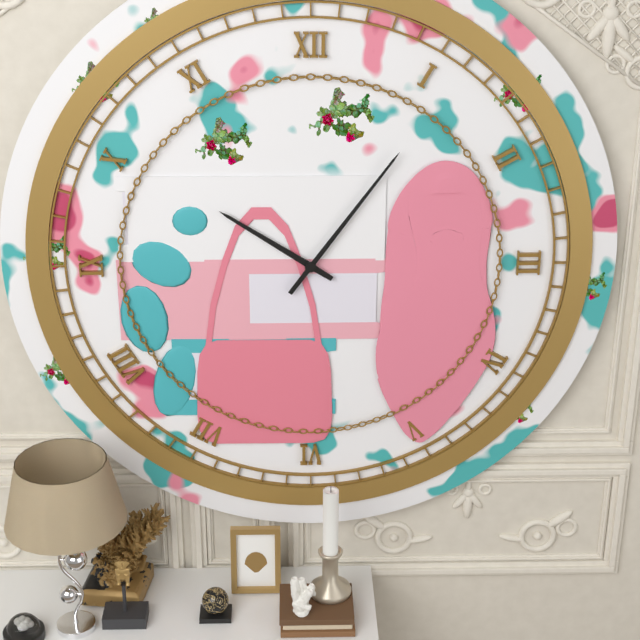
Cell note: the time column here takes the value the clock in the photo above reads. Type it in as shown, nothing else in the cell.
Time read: 10:06
